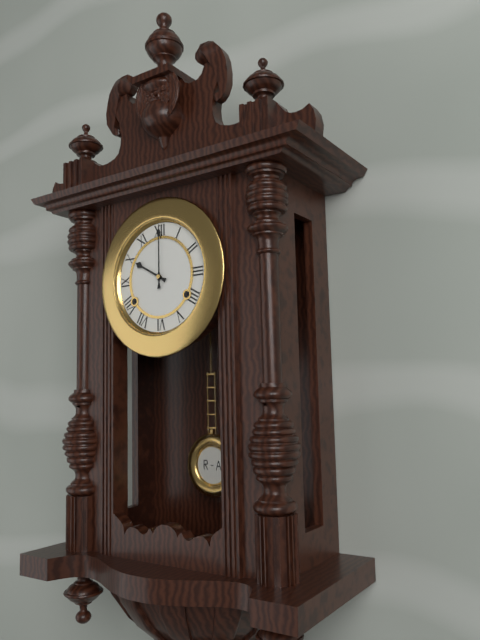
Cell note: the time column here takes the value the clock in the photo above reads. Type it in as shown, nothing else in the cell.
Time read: 10:00
